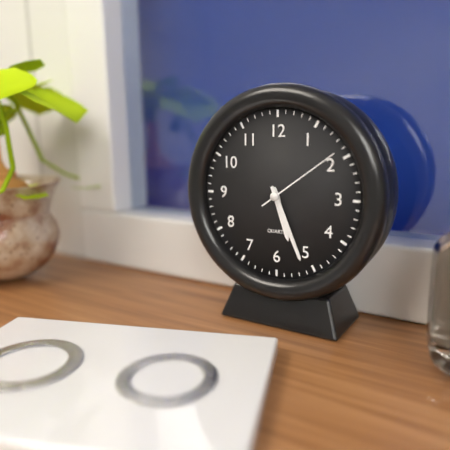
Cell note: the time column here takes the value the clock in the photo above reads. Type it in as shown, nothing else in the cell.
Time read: 5:26:09
